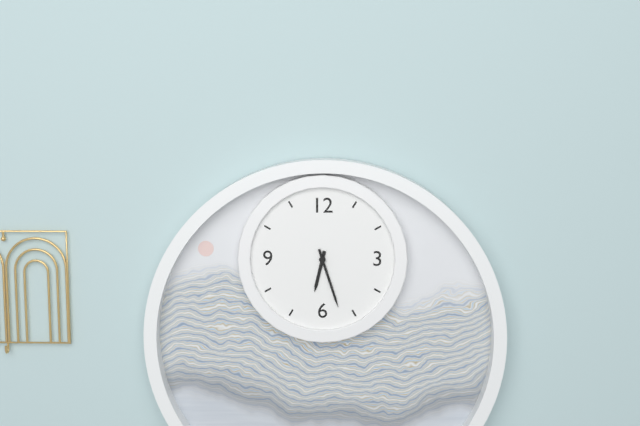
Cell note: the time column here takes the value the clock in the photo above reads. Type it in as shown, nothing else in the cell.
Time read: 6:27
